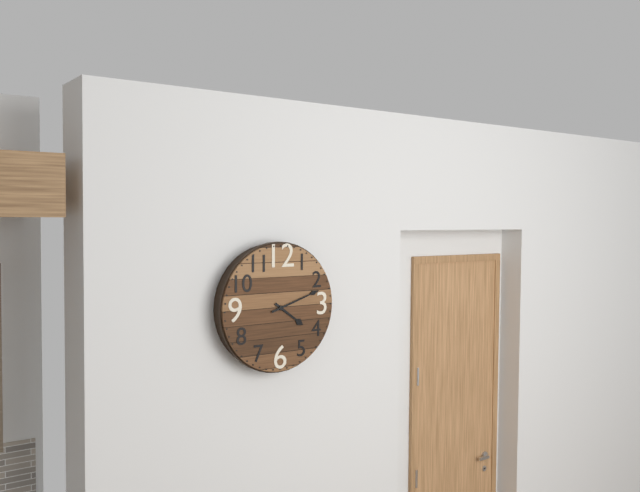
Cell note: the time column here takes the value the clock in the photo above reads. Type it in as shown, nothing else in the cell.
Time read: 4:12
